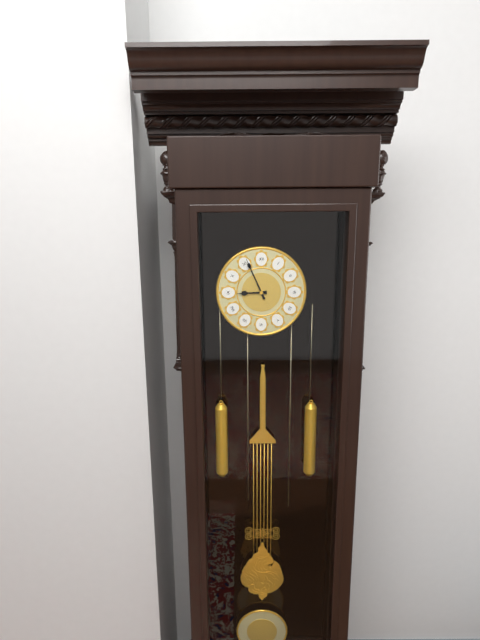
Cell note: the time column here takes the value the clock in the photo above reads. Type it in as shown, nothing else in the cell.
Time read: 8:56
